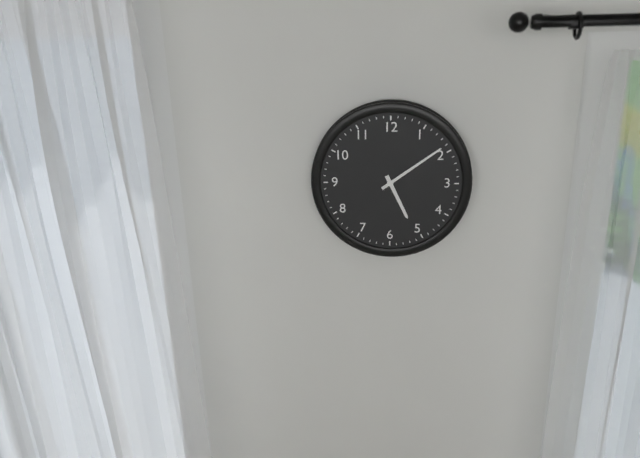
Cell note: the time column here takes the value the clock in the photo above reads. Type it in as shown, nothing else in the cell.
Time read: 5:09
